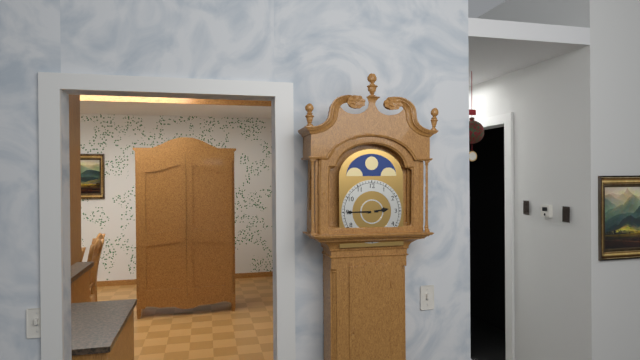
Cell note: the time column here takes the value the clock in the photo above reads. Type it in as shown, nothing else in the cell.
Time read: 2:45
